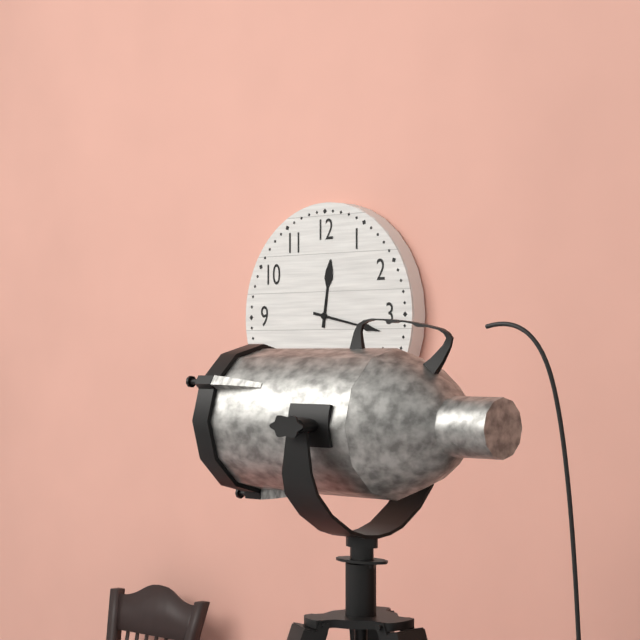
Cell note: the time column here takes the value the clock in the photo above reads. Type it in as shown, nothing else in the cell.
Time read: 12:17
